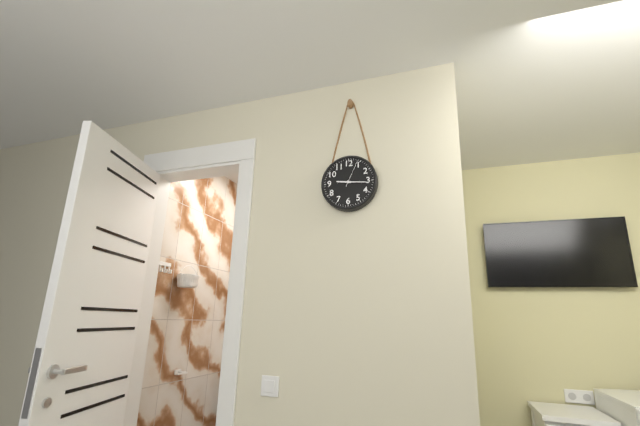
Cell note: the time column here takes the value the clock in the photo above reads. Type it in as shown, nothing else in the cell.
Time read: 9:16
